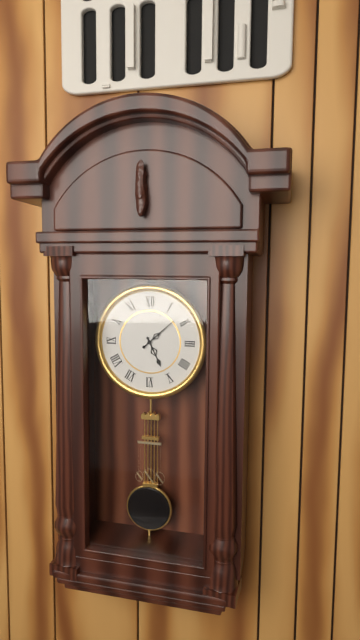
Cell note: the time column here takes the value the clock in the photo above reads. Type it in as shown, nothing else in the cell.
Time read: 5:08
